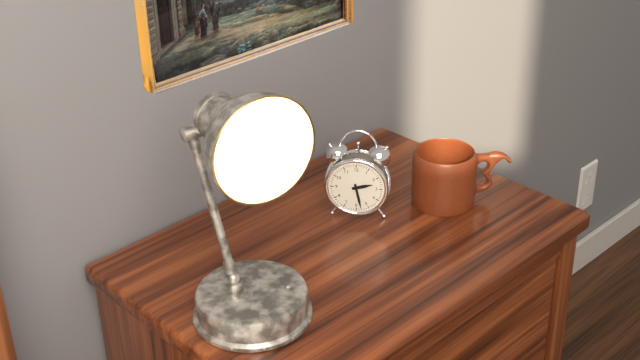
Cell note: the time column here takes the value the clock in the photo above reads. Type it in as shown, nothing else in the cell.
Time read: 2:28
